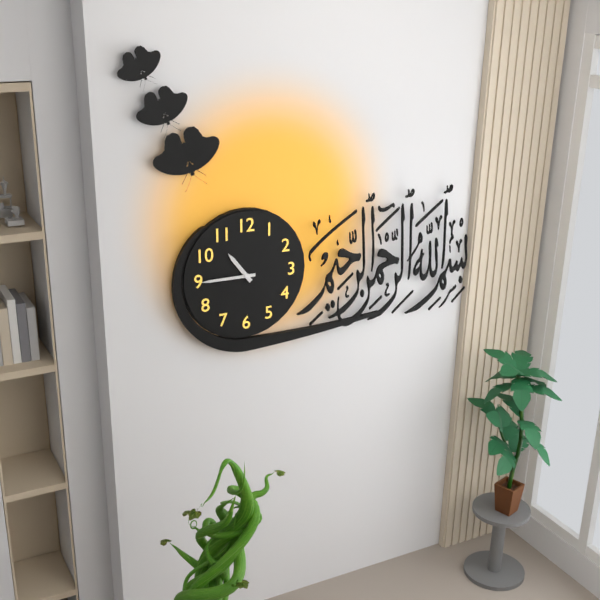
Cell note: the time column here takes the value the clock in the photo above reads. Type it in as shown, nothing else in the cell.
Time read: 10:45
